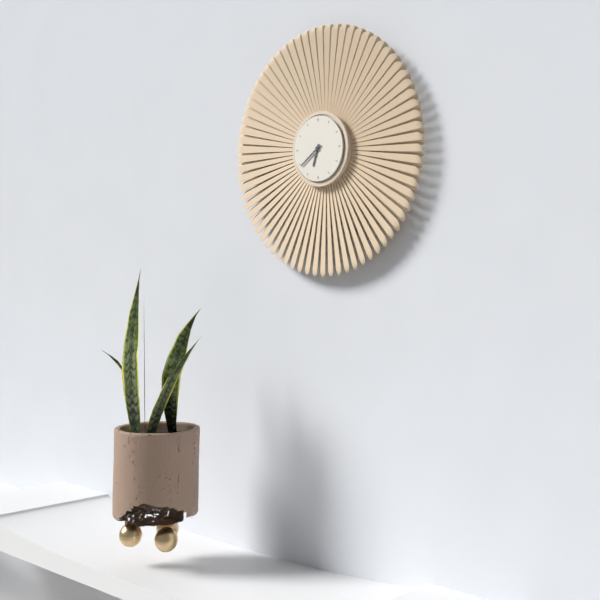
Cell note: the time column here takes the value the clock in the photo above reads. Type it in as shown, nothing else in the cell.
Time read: 6:39
